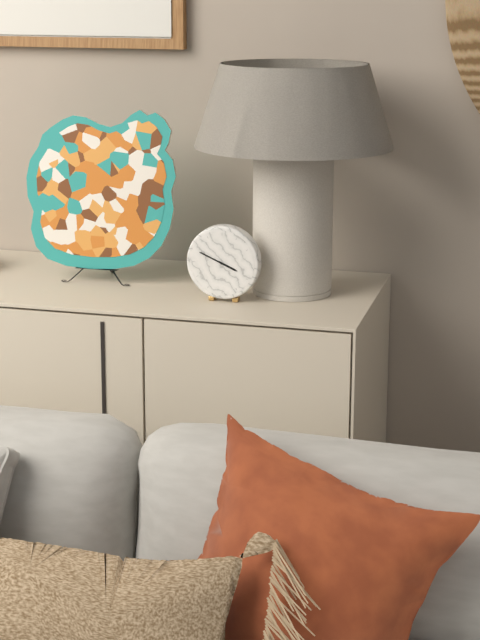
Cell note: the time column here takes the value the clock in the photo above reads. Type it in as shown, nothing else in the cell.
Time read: 3:49
